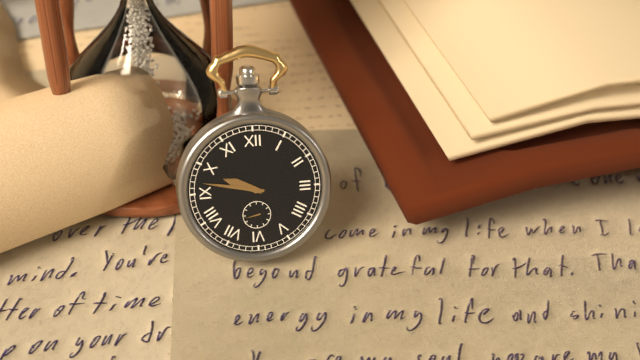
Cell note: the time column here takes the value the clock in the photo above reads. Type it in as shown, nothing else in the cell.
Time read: 9:47
